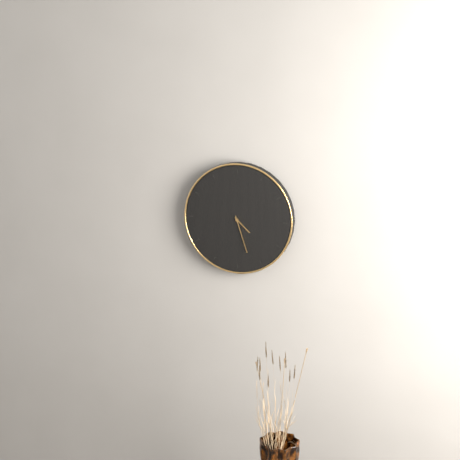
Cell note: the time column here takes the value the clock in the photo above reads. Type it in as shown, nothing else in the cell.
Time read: 4:27
